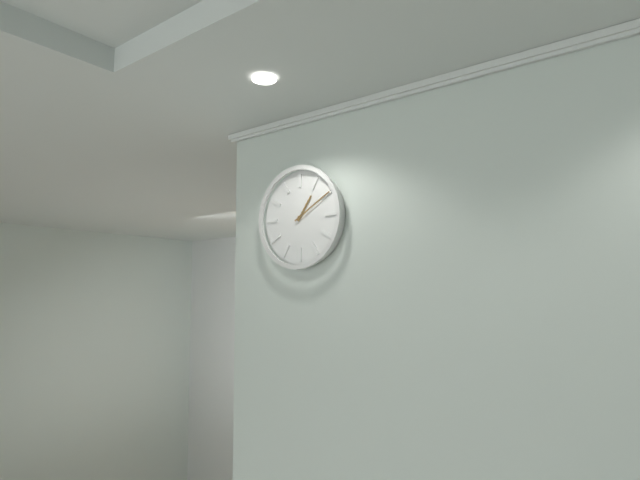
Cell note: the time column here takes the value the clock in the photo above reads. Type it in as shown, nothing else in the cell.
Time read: 1:10
